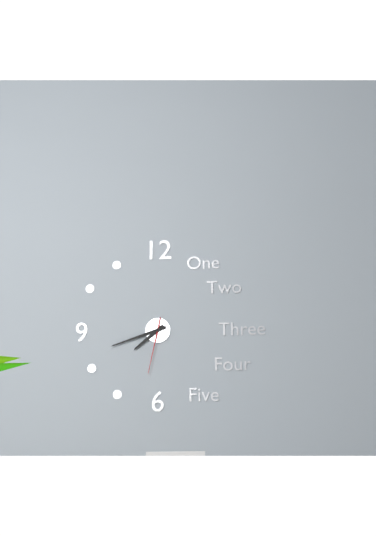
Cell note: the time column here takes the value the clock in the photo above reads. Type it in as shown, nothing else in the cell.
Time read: 7:42:32
